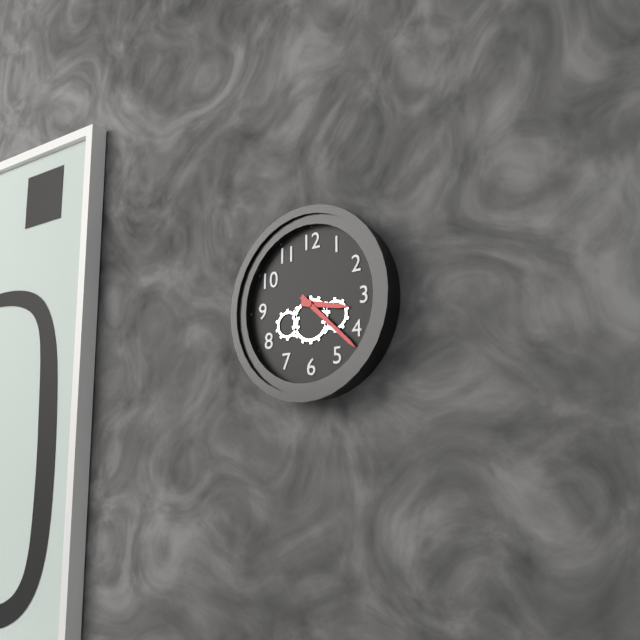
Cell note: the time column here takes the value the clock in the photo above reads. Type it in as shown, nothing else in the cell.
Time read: 3:22
